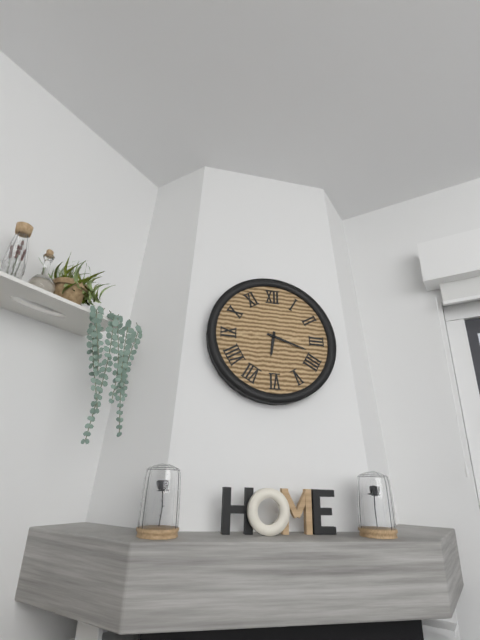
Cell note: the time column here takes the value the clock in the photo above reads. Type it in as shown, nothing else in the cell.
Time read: 6:18
